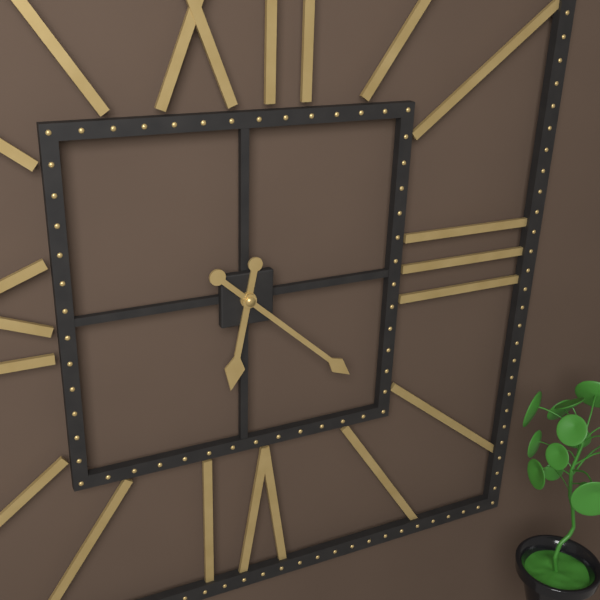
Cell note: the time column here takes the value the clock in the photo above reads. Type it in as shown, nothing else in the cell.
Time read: 6:22
